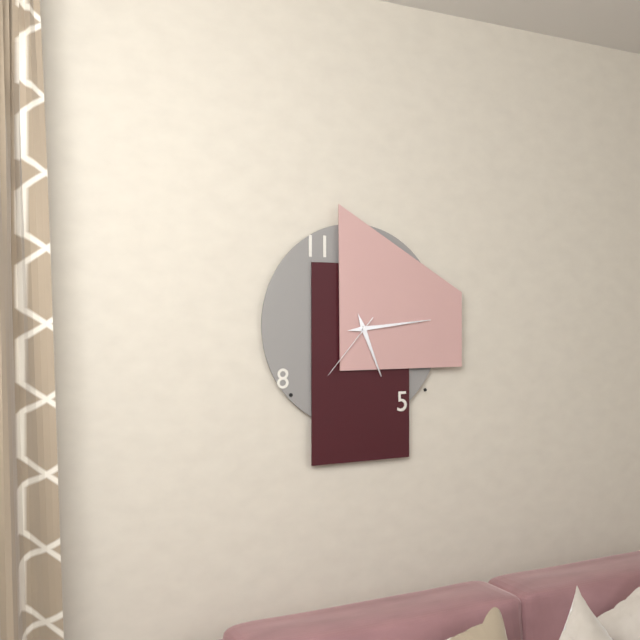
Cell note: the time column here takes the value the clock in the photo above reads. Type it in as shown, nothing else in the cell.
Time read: 5:14:37
